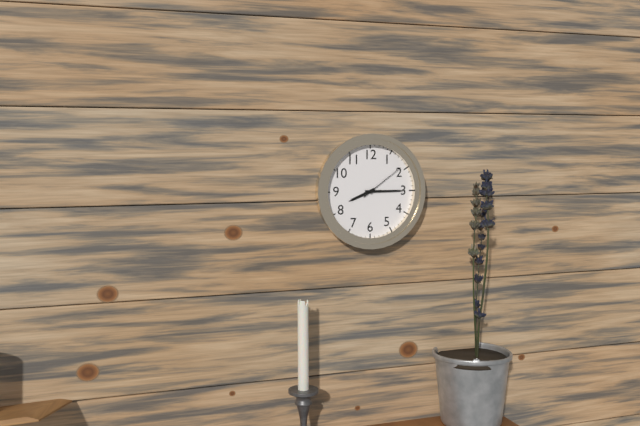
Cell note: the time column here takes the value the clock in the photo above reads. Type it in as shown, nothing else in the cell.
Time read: 8:15
